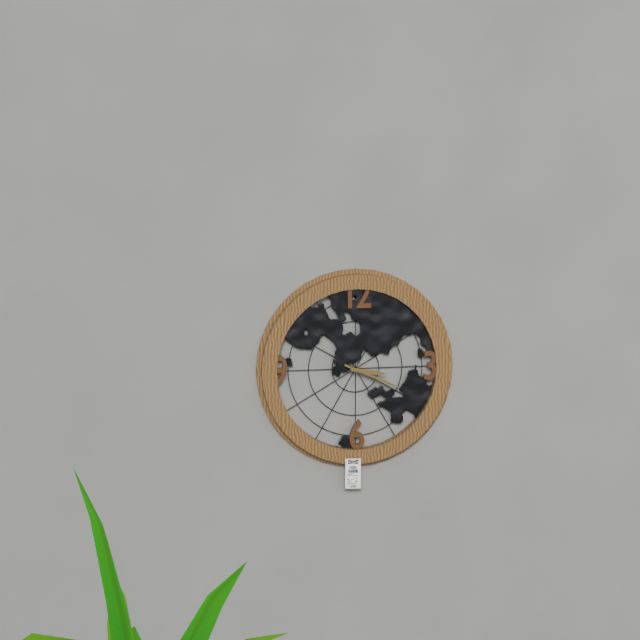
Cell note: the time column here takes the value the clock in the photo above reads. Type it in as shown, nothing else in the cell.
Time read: 3:19
